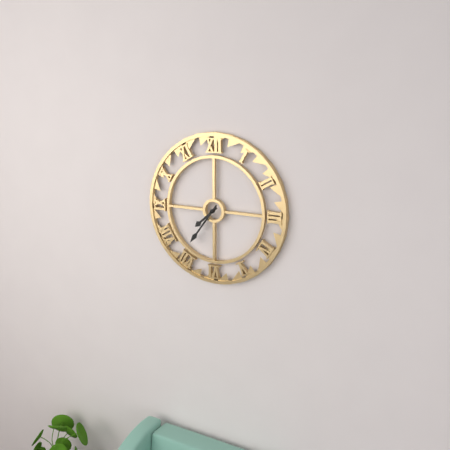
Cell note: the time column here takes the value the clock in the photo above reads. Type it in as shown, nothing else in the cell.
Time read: 7:36
